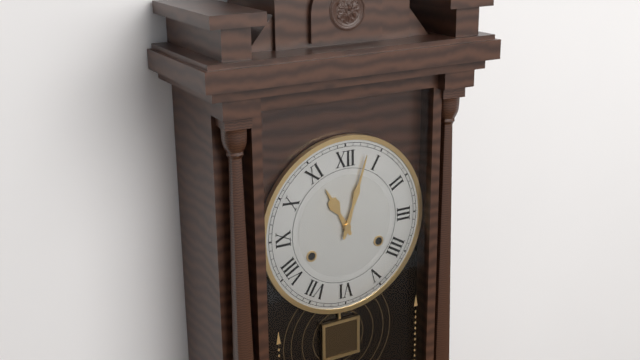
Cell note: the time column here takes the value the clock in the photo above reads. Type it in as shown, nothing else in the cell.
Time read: 11:03
